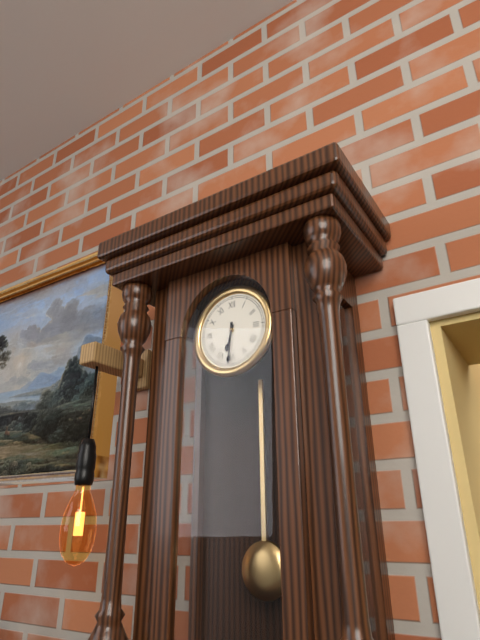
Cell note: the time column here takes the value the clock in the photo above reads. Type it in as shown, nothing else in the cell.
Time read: 6:31
